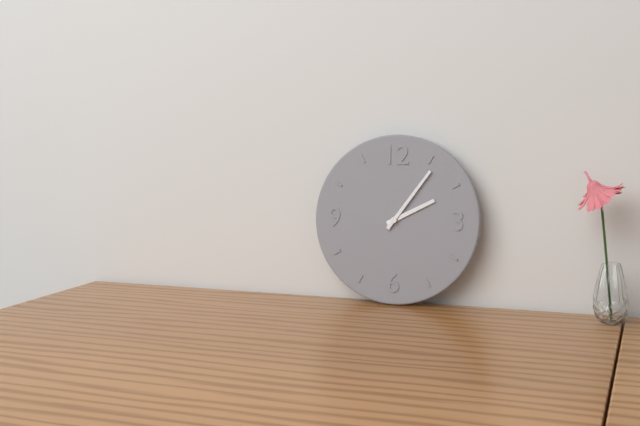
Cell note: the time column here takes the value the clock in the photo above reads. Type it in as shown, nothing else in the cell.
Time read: 2:06
